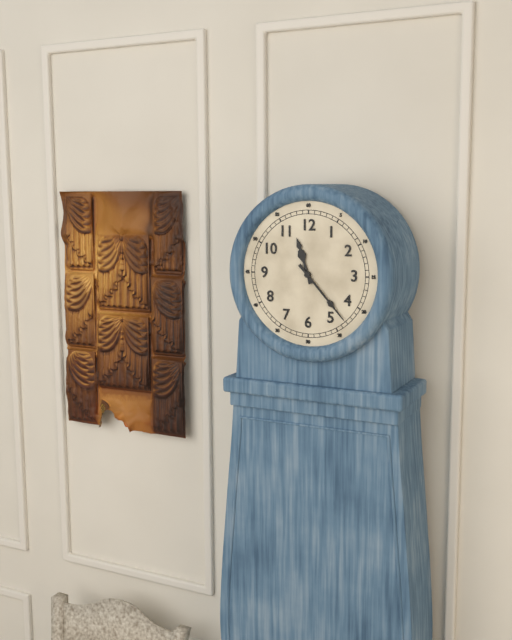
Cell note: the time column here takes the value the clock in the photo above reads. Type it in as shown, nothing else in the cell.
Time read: 11:23
